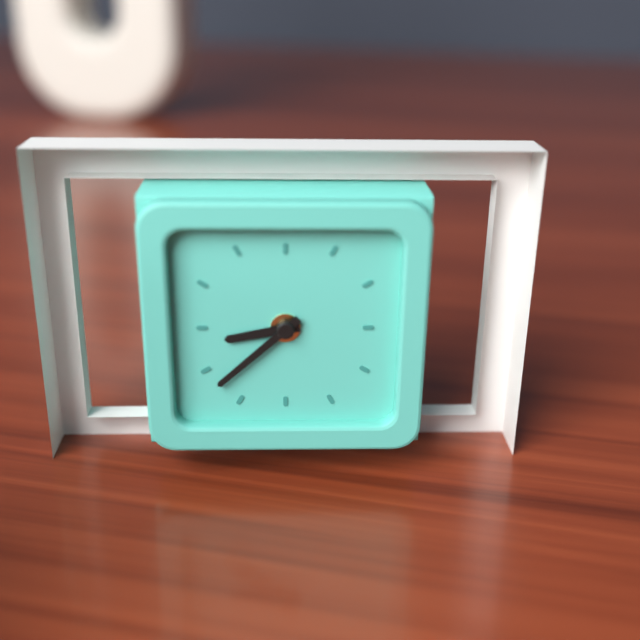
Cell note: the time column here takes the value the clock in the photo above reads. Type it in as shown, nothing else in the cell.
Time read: 8:38
